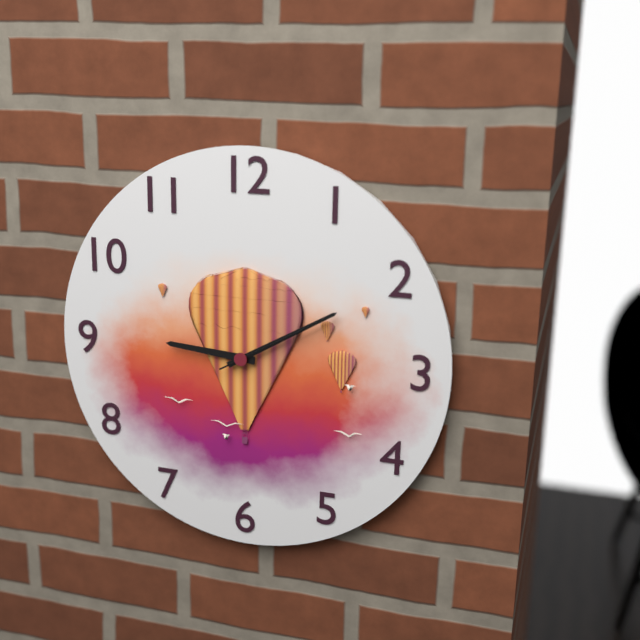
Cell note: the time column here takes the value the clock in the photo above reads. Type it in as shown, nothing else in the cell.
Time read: 9:10:10
